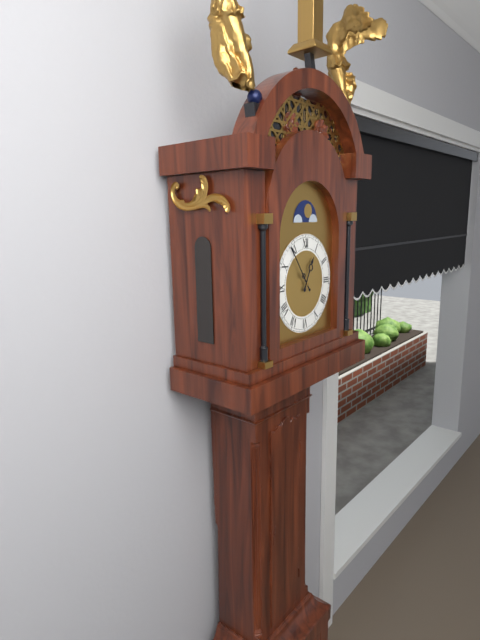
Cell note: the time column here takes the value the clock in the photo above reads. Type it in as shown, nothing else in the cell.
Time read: 12:54
